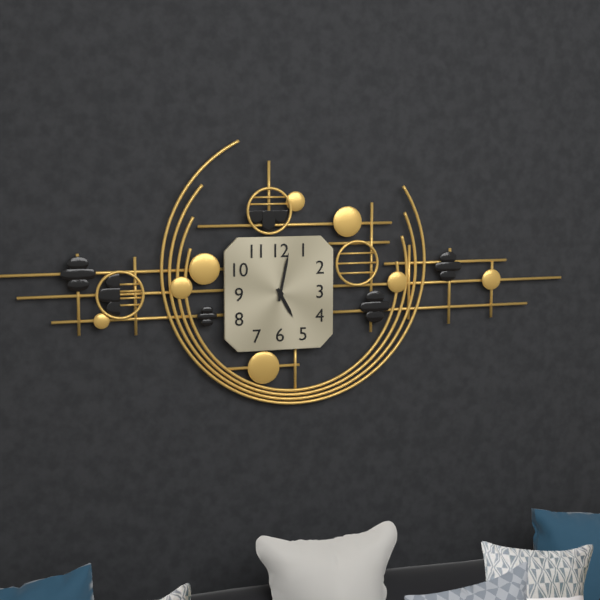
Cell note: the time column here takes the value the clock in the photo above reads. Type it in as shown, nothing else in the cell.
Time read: 5:02
